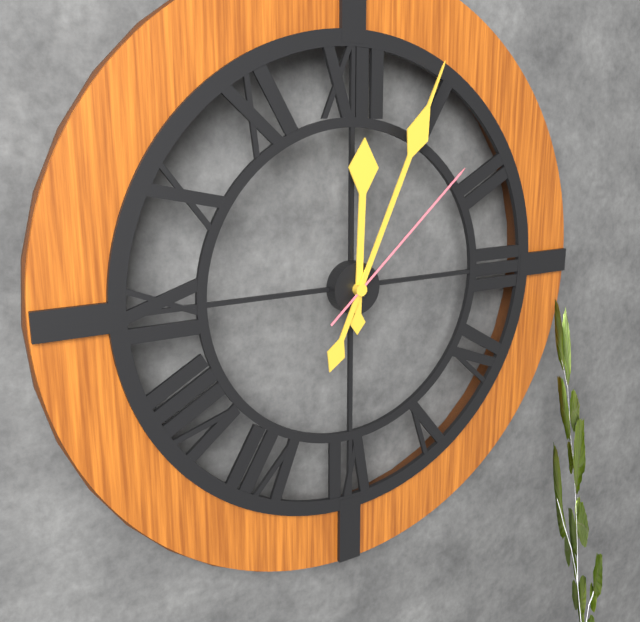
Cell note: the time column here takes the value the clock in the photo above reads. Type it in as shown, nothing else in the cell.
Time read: 12:04:08
